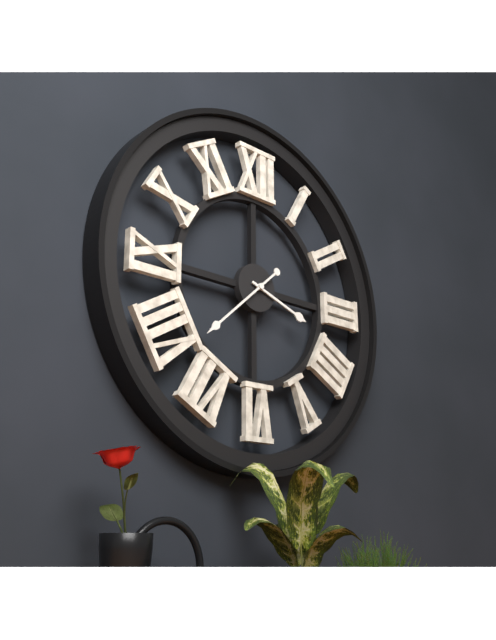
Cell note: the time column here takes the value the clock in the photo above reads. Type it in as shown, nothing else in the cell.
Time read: 3:38
